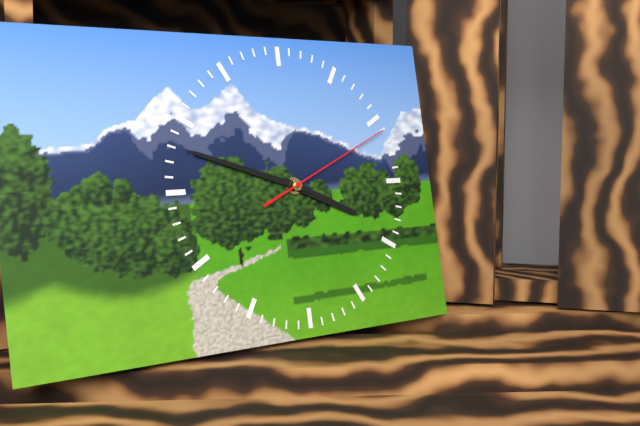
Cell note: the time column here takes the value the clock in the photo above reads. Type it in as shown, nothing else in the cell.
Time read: 3:48:11
